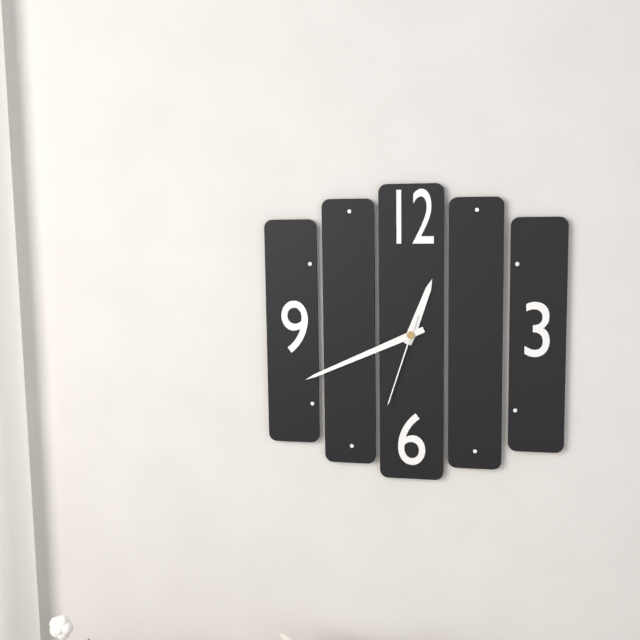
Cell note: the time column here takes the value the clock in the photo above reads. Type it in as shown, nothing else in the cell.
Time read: 12:41:33
